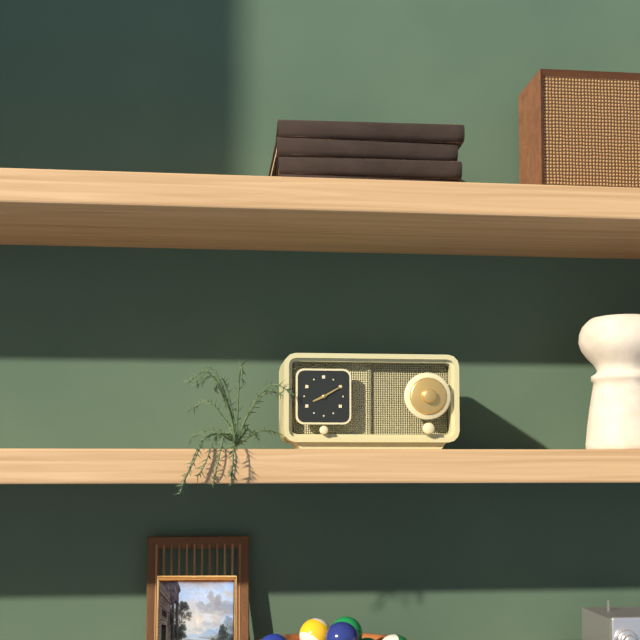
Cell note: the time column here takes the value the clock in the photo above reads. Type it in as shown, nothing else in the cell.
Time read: 8:10
